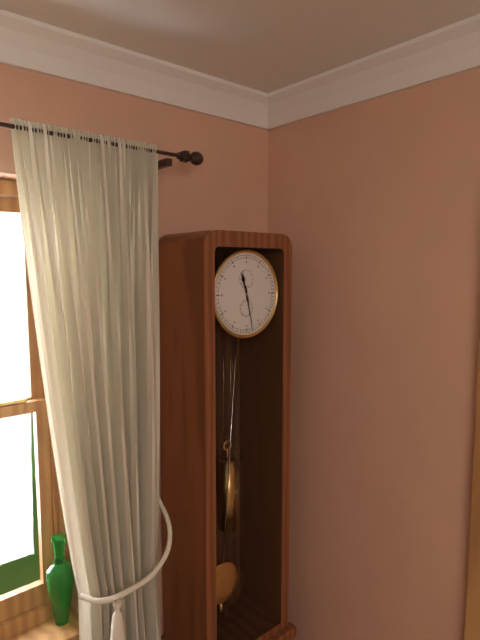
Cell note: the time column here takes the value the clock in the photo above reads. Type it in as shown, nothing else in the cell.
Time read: 11:28
